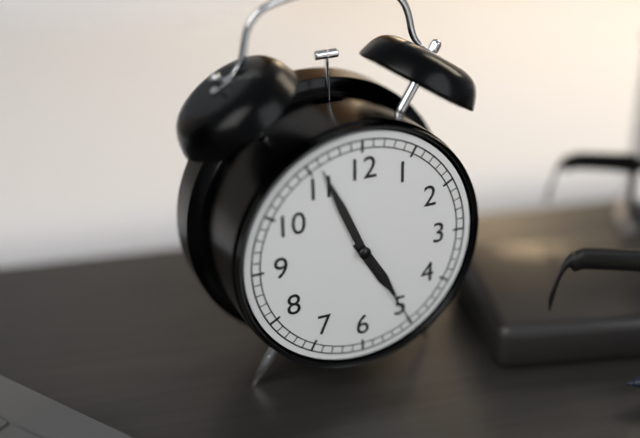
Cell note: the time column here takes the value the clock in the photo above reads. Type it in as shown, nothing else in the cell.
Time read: 4:56:25
